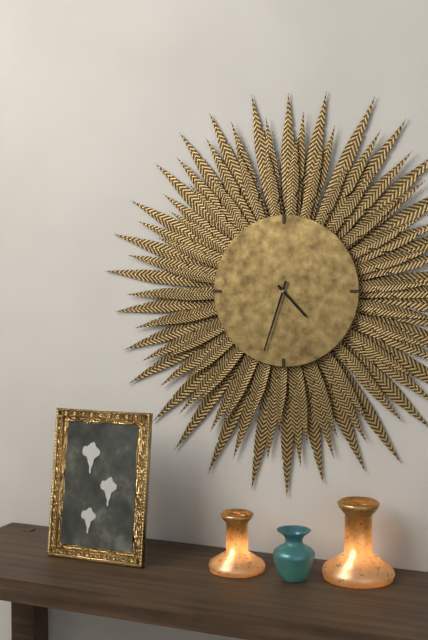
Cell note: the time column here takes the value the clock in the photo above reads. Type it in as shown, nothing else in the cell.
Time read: 4:33
